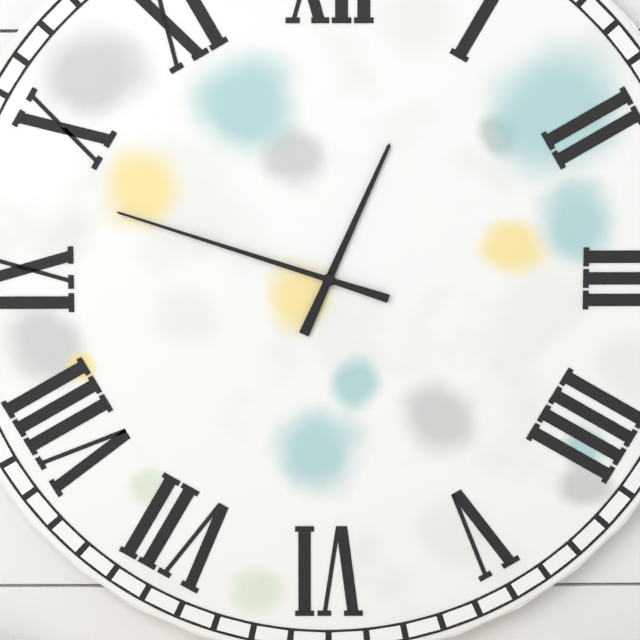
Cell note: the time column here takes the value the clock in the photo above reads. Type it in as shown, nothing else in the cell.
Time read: 12:48
